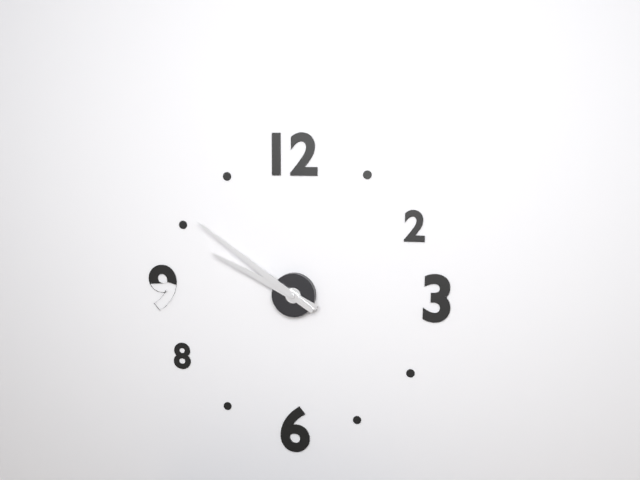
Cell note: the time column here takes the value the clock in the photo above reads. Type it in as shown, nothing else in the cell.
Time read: 9:51
